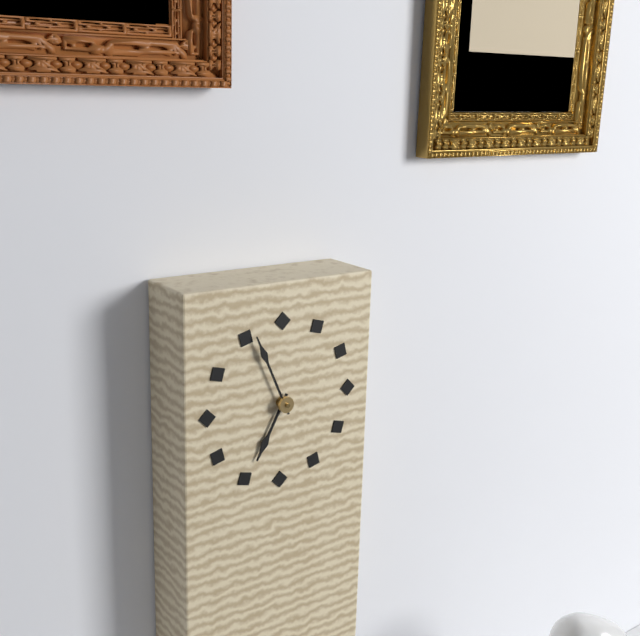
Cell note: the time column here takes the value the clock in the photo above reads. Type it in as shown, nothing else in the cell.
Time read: 6:56
